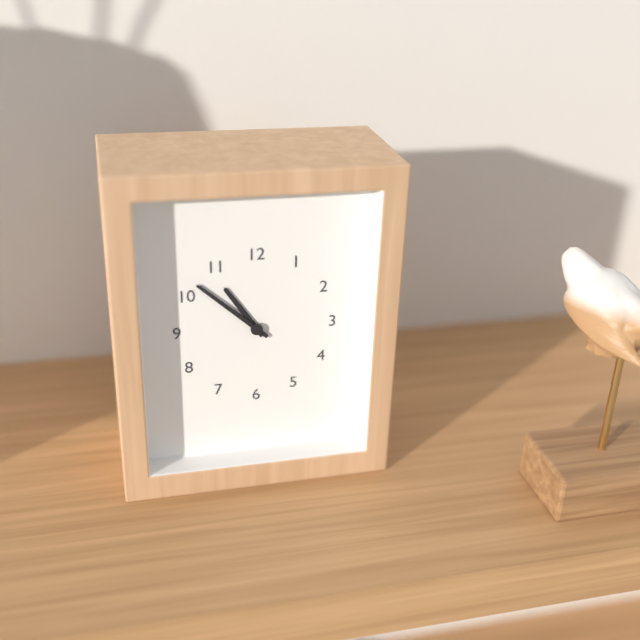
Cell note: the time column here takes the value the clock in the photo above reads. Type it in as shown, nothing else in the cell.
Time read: 10:52
